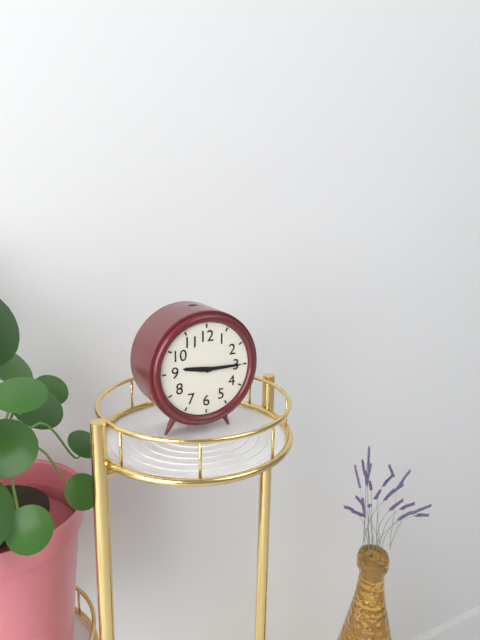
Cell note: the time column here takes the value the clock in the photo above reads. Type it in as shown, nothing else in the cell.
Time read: 9:15
